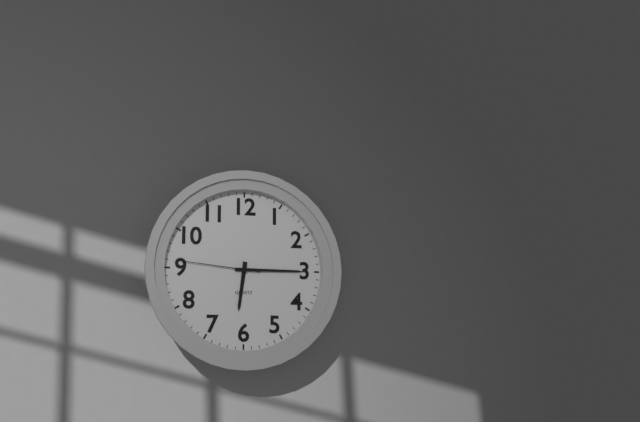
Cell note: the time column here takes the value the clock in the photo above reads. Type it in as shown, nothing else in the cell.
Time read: 6:15:46
